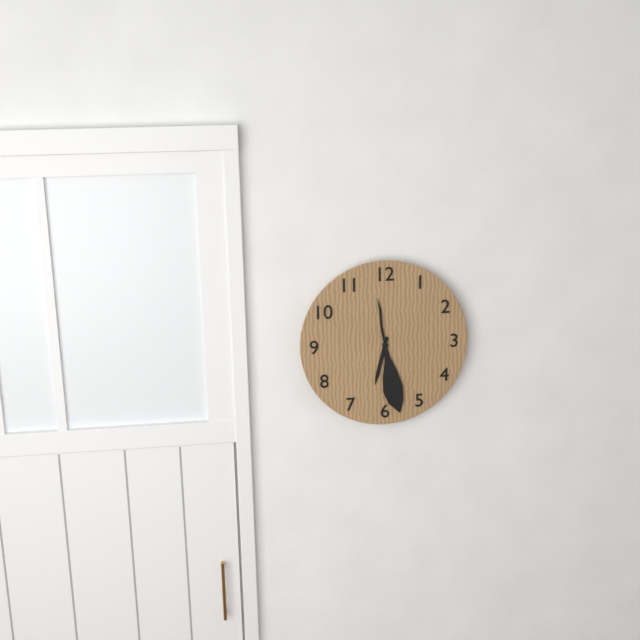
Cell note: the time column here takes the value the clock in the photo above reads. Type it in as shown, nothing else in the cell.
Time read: 6:28
